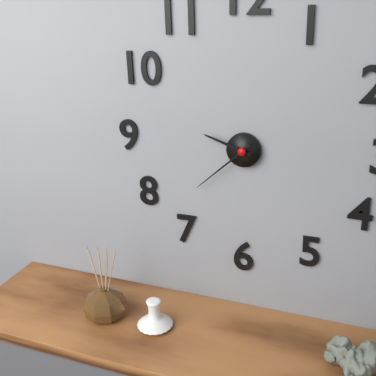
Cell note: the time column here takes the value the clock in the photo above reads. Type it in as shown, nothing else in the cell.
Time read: 9:38
